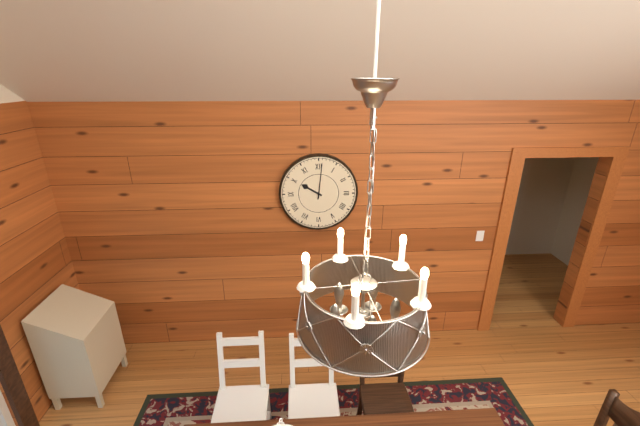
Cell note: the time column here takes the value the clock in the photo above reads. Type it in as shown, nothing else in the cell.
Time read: 10:01
